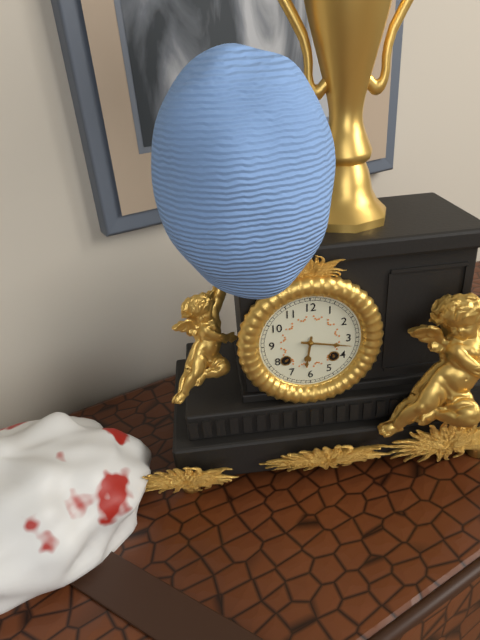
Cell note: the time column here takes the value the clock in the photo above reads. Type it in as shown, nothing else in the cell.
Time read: 6:17
